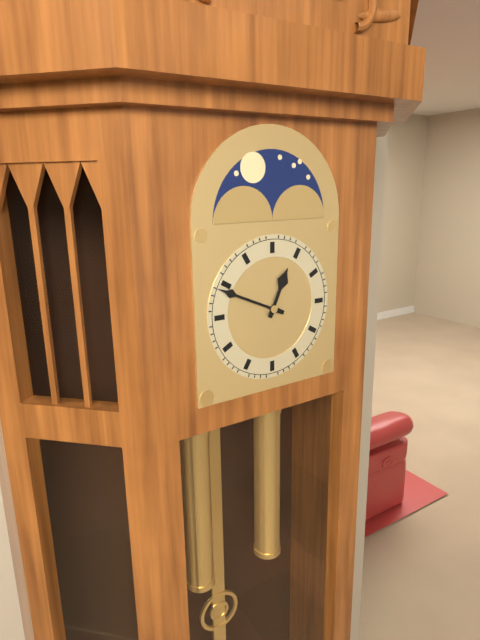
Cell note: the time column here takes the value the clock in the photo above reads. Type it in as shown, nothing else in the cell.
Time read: 12:49
